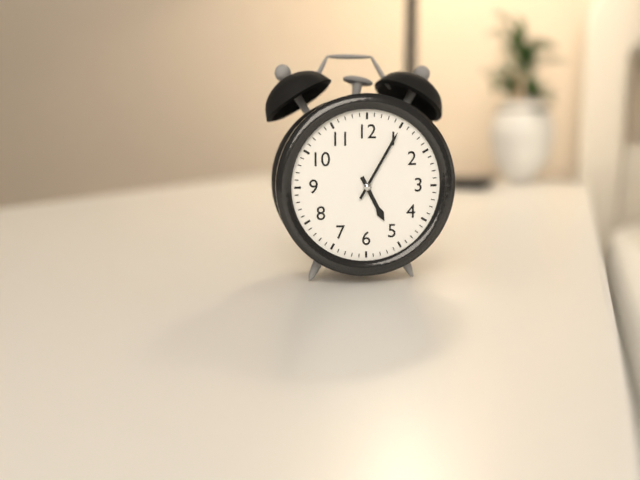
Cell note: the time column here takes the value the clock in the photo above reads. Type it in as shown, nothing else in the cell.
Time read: 5:05
